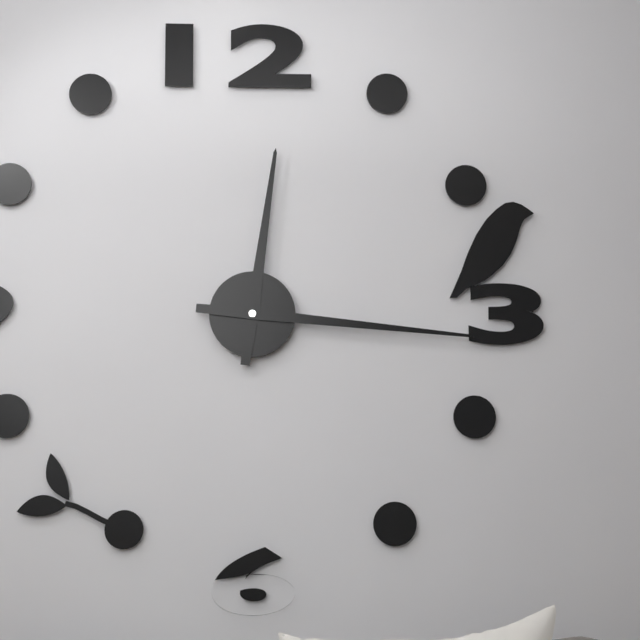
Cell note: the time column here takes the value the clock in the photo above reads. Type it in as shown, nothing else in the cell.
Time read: 12:16
